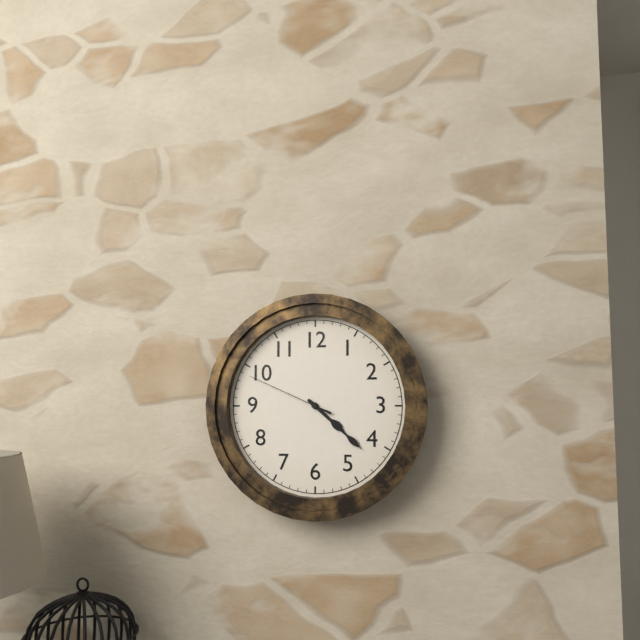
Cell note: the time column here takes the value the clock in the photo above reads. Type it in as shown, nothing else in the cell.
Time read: 4:22:49
